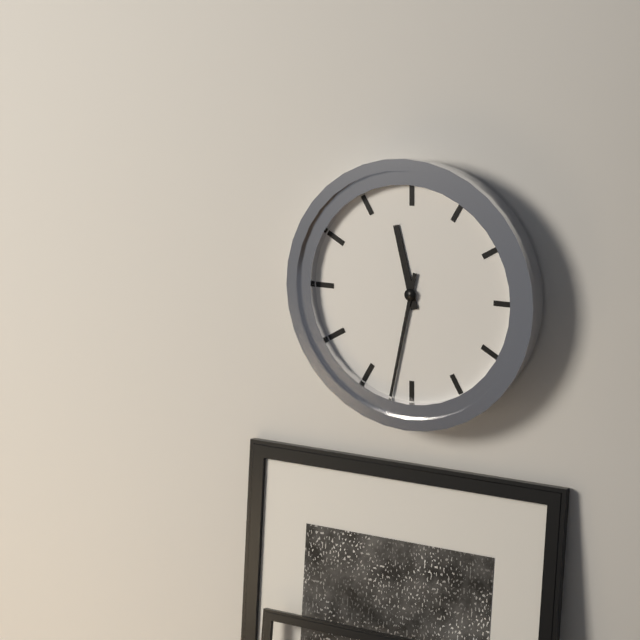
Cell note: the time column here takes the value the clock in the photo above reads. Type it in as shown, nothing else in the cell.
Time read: 11:32
